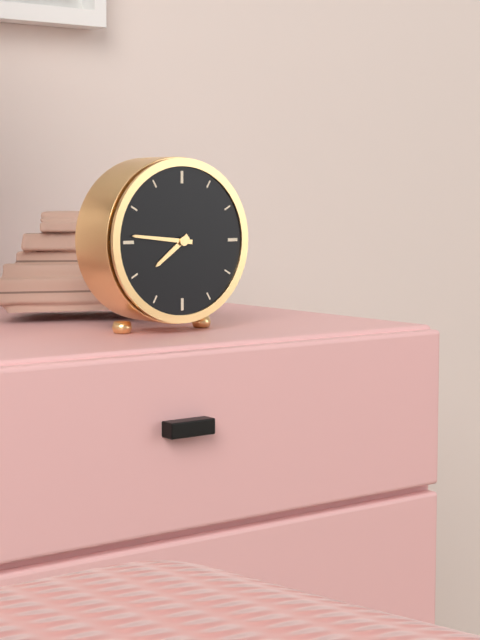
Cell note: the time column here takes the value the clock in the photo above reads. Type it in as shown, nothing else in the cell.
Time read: 7:46
